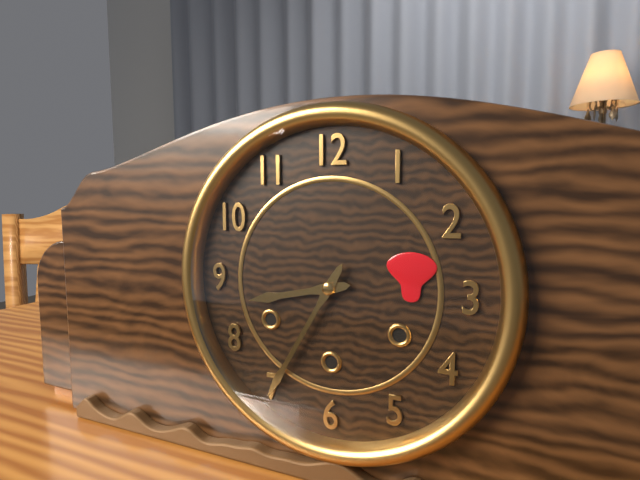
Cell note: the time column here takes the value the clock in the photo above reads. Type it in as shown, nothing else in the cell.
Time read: 8:35
